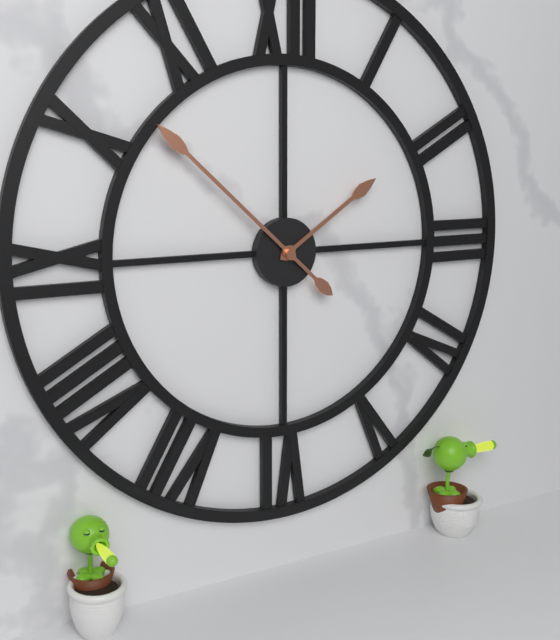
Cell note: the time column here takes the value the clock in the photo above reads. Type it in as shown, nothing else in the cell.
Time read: 1:52
